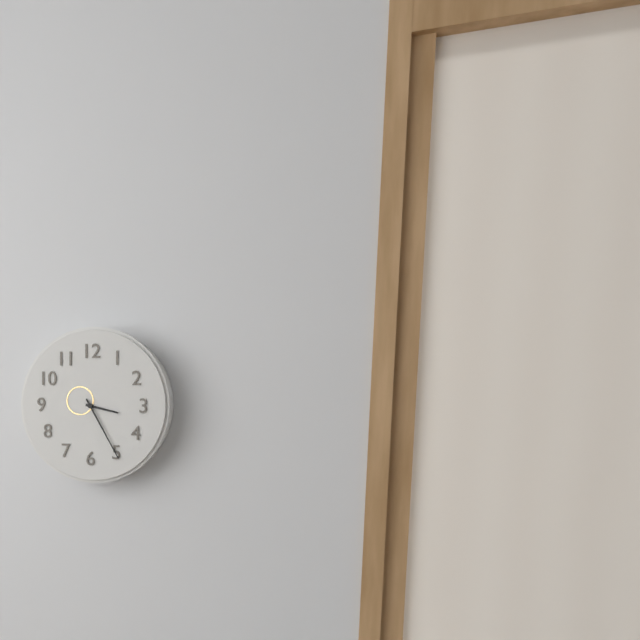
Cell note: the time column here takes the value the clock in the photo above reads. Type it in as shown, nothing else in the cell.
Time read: 3:25
